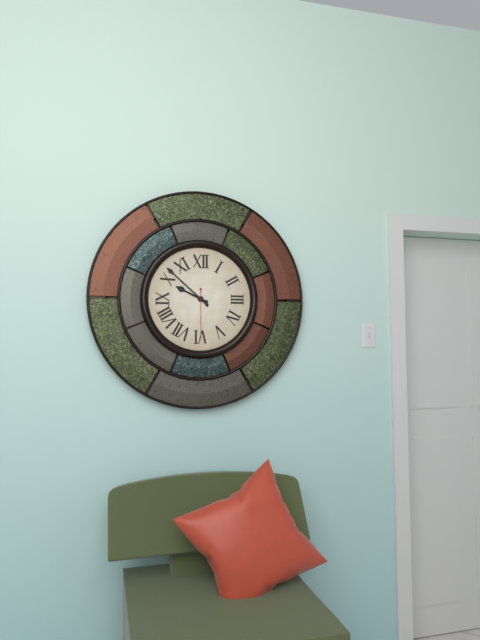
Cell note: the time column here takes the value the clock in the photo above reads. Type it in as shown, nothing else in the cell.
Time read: 9:52:30
